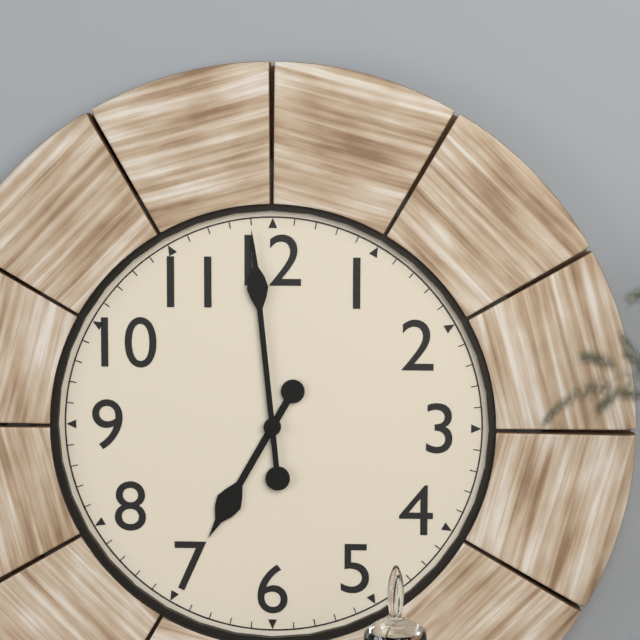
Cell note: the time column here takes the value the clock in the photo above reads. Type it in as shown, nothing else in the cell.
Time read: 6:59
